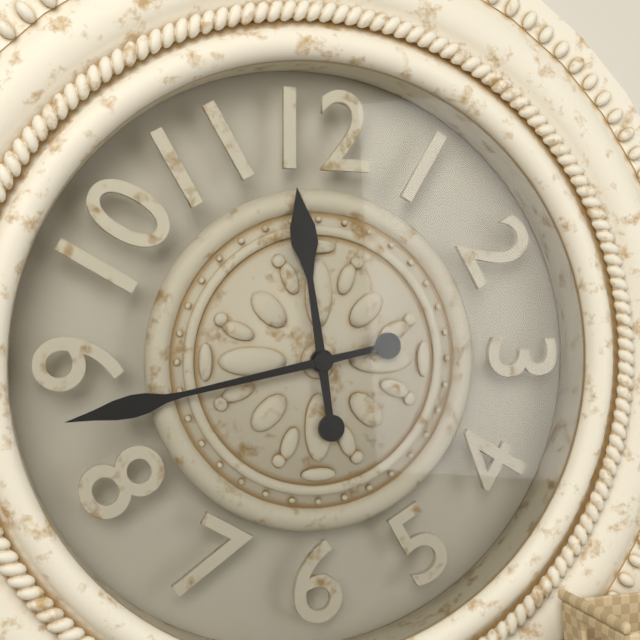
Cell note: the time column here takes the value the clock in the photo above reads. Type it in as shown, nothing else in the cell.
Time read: 11:43
